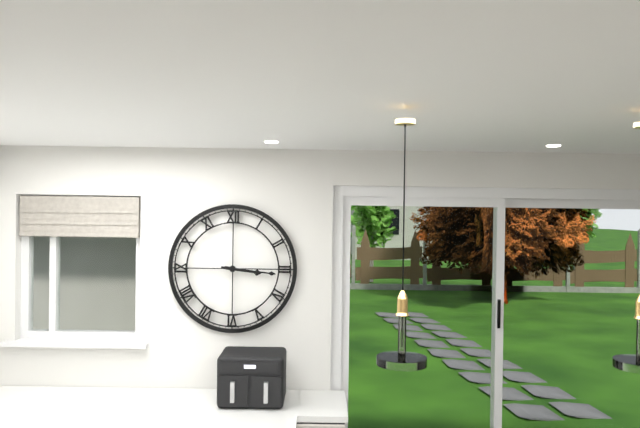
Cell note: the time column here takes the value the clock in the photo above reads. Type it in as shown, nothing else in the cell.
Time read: 3:16
